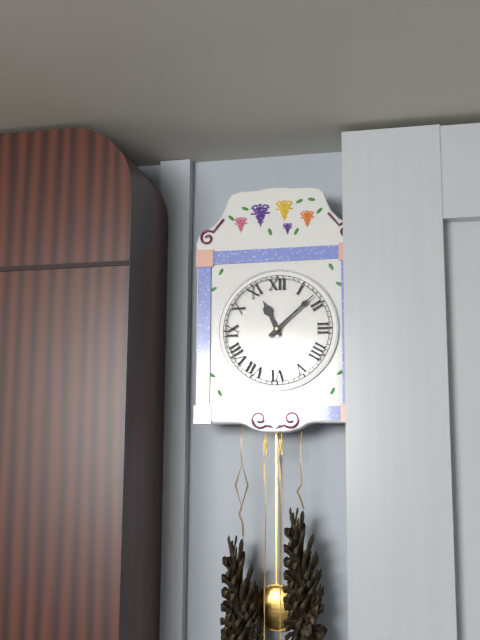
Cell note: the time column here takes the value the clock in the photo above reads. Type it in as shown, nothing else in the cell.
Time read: 11:08
